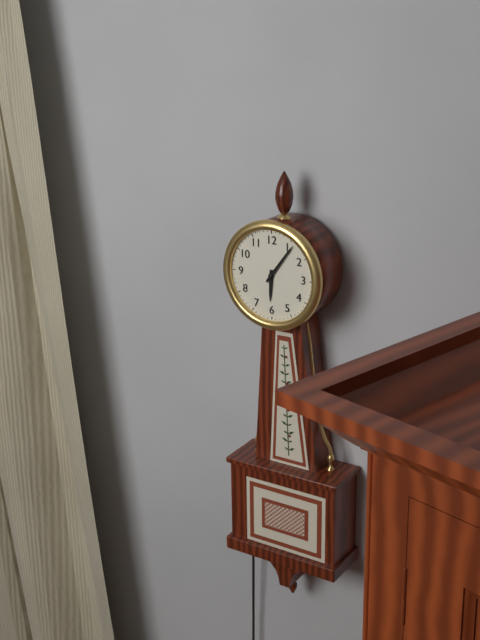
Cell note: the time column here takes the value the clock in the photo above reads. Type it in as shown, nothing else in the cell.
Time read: 6:06
